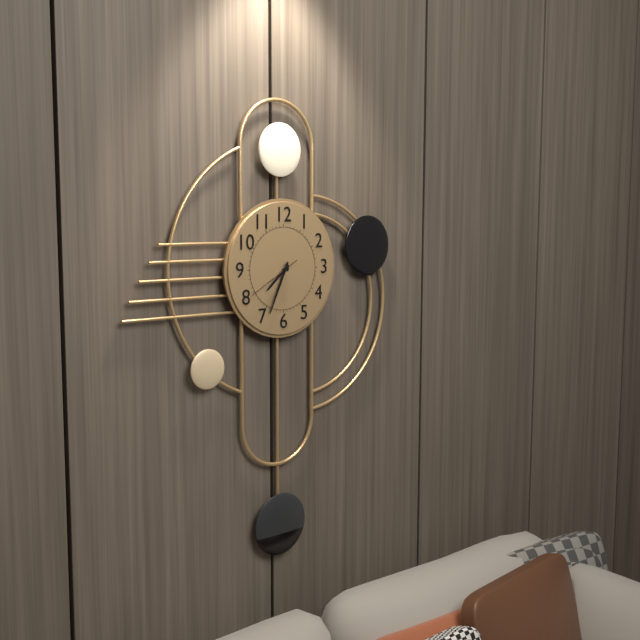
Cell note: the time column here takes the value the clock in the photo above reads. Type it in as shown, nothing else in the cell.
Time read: 7:34:40
